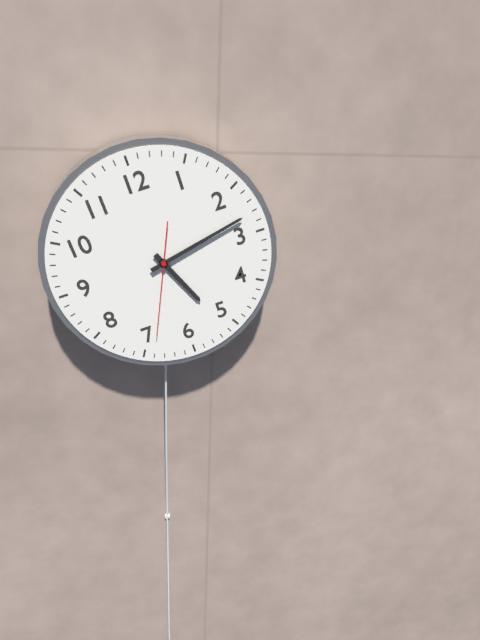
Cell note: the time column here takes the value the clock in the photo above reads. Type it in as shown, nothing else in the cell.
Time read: 5:13:34
